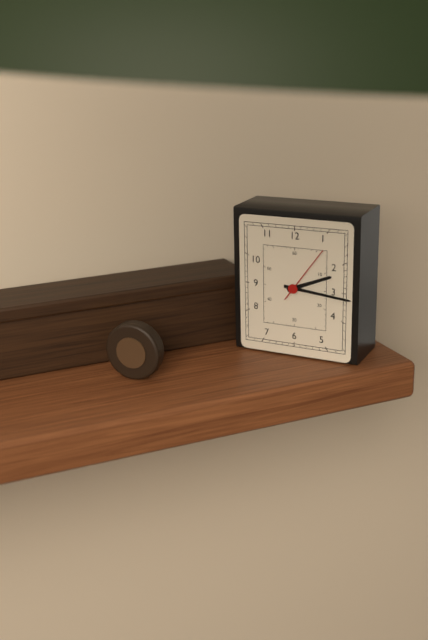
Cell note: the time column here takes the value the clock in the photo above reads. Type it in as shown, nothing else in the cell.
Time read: 2:16:06
